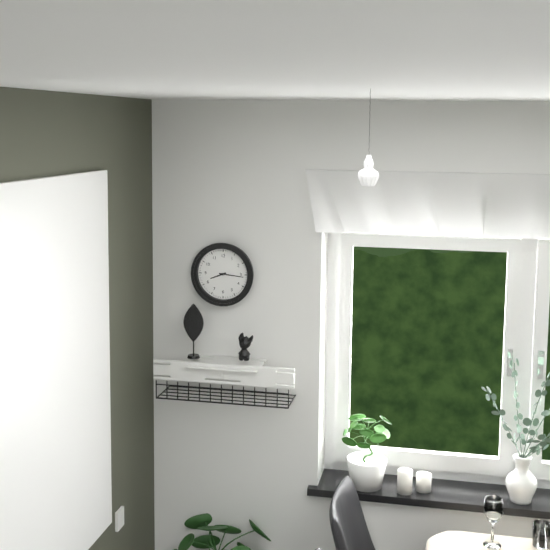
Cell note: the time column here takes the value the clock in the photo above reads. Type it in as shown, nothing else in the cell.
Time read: 8:16
